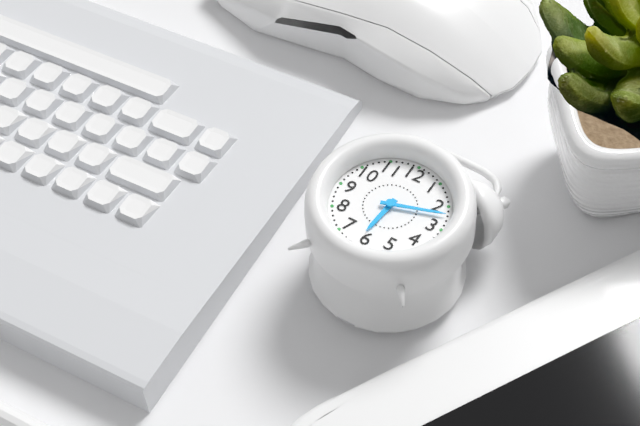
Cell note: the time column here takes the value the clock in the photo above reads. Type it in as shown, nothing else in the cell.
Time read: 6:12
